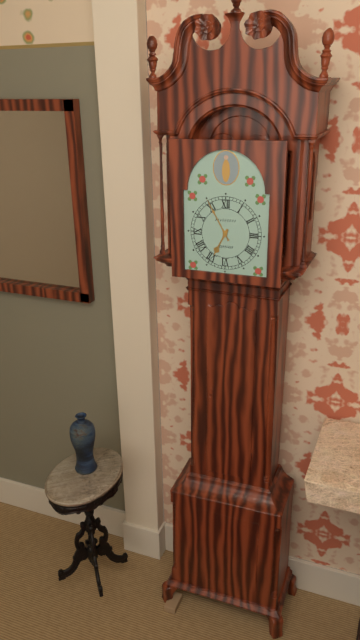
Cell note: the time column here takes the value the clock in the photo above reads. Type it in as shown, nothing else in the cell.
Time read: 6:55
